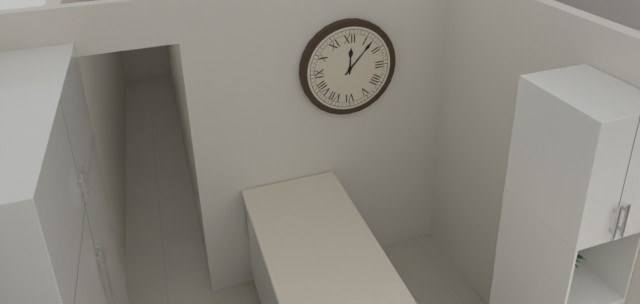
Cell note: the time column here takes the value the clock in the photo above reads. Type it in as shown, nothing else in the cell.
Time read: 12:07
